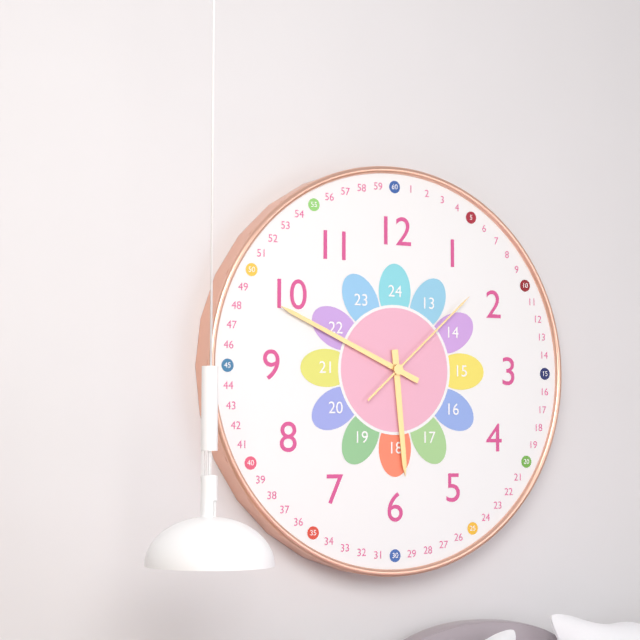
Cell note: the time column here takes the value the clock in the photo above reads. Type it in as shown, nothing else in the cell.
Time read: 5:49:08
